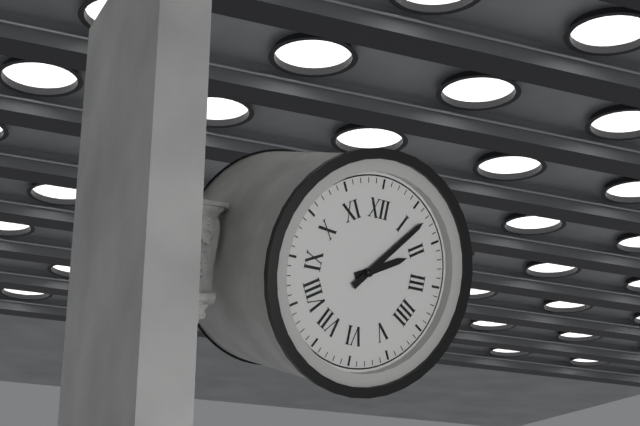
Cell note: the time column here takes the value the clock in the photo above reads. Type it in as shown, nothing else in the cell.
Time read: 2:07
